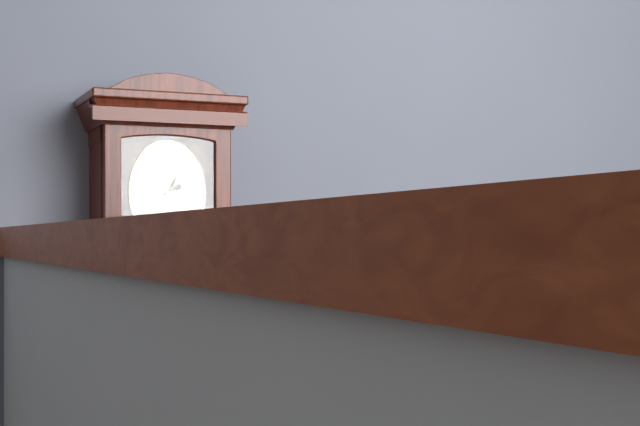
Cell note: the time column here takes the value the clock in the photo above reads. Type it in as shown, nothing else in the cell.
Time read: 2:05
